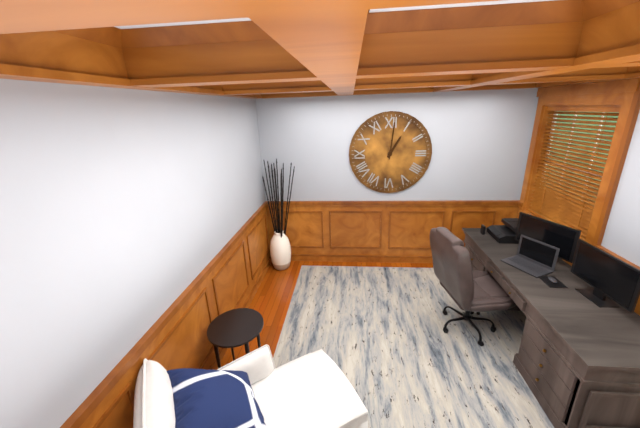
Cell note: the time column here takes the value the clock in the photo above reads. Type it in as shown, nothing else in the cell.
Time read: 1:01
